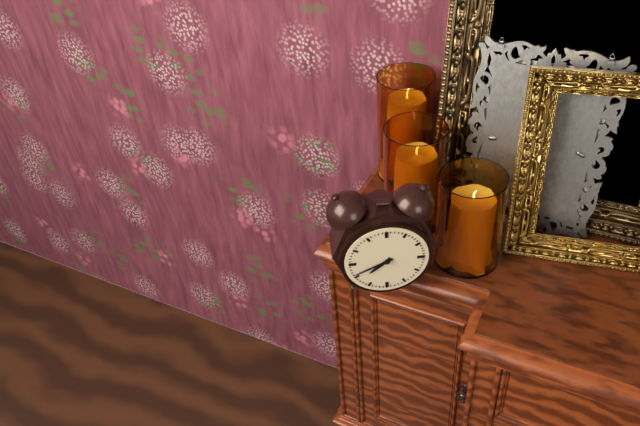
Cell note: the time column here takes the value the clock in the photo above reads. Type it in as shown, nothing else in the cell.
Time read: 7:41
